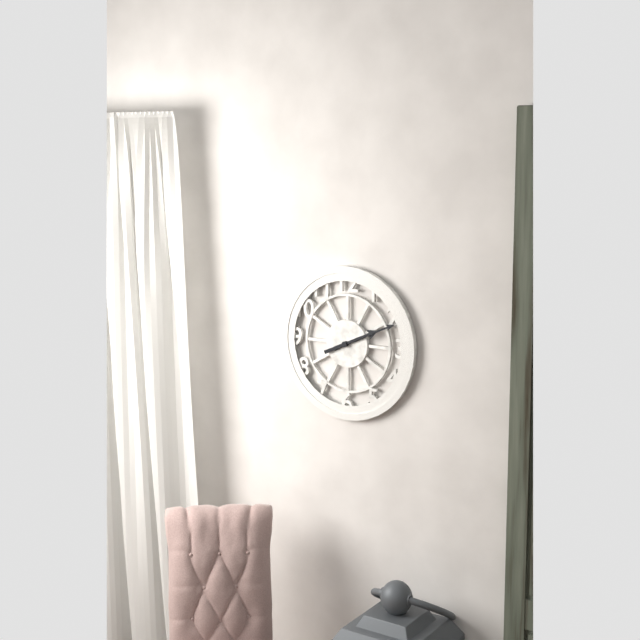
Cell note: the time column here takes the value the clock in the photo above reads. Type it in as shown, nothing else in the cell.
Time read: 2:11
